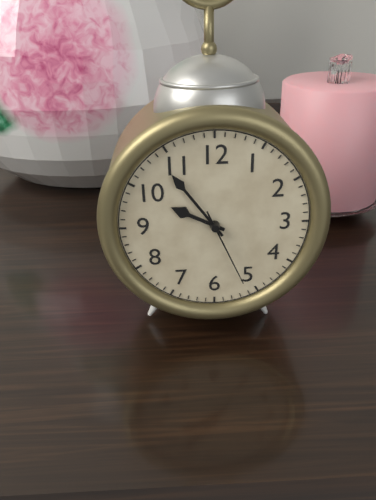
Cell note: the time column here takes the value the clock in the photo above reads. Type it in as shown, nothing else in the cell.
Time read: 9:54:26
